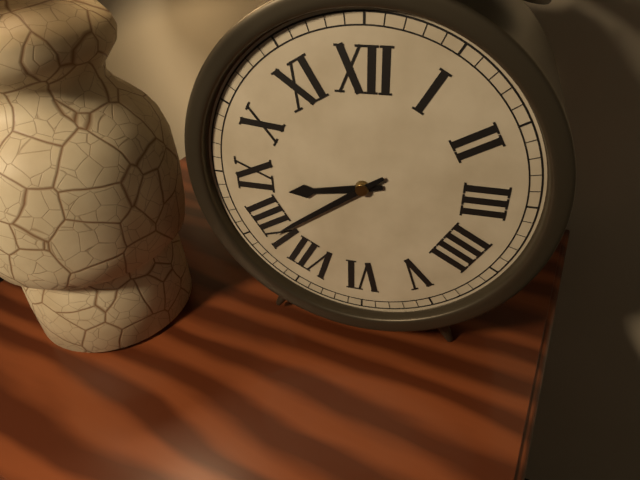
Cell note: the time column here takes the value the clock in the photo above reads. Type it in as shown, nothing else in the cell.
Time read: 8:39
